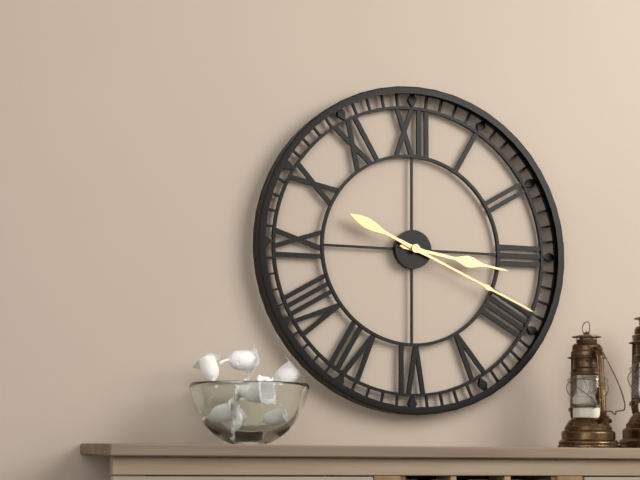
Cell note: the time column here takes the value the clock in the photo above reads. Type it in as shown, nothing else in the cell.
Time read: 3:19
